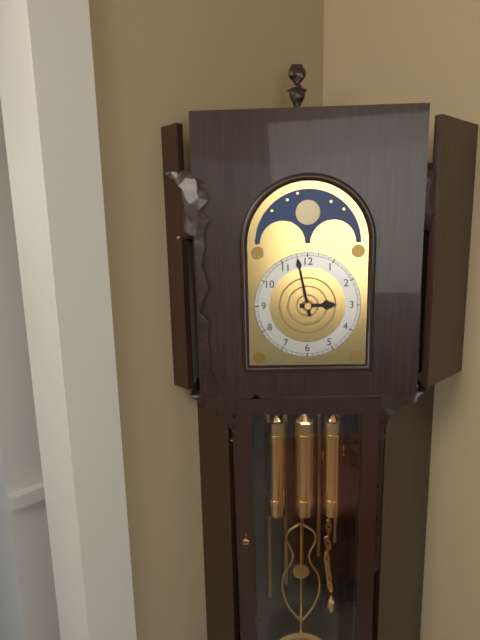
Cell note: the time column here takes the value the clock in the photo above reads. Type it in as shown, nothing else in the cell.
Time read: 2:58
